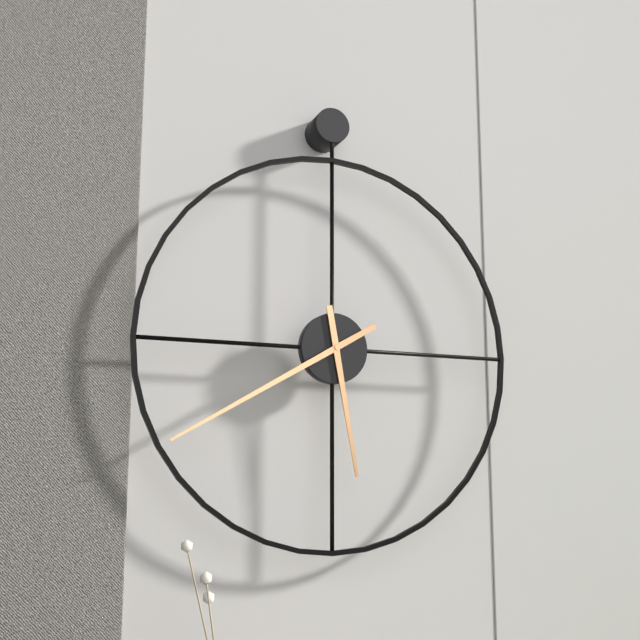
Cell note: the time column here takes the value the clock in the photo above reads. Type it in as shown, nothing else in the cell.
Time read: 5:40
